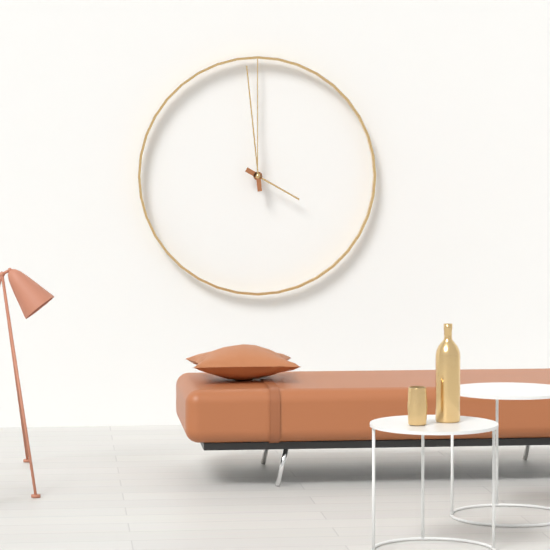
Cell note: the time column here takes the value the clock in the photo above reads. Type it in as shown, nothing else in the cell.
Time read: 3:59
